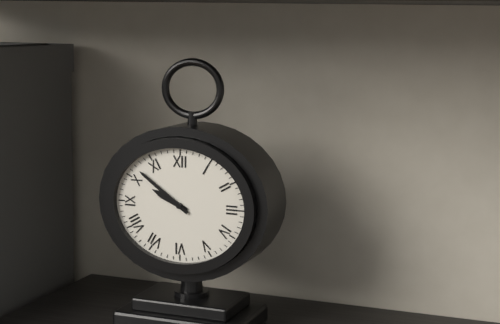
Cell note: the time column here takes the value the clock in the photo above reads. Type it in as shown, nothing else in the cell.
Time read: 9:51
